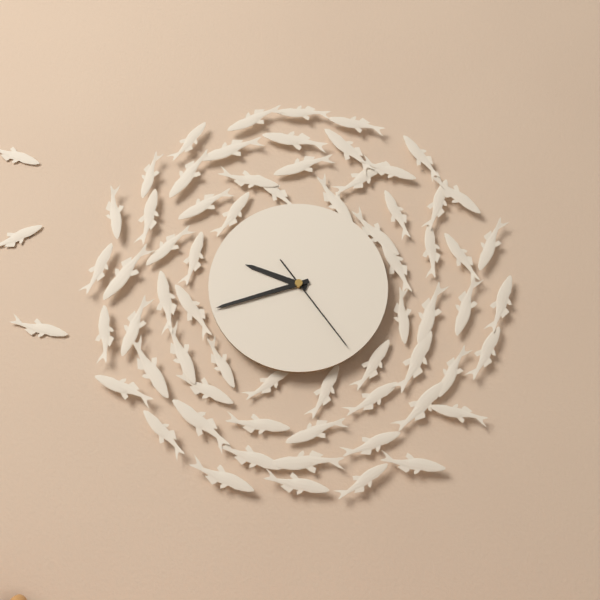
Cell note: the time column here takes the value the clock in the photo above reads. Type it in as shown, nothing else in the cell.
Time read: 9:42:24
